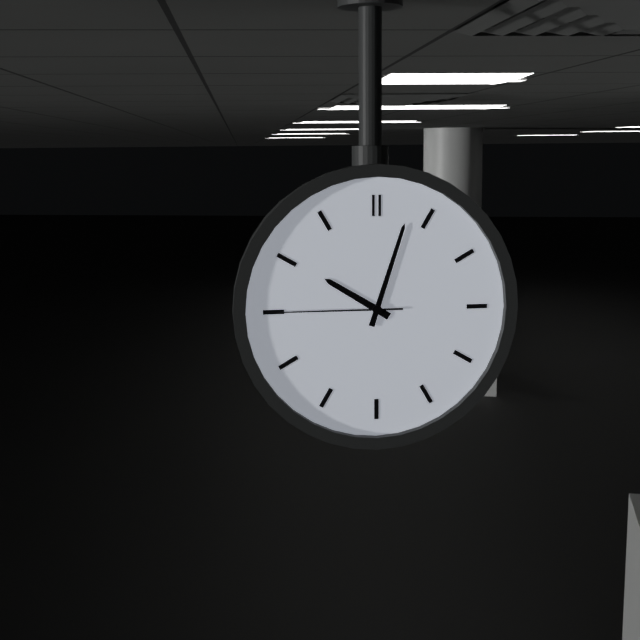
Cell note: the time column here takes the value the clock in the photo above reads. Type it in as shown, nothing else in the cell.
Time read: 10:03:45
